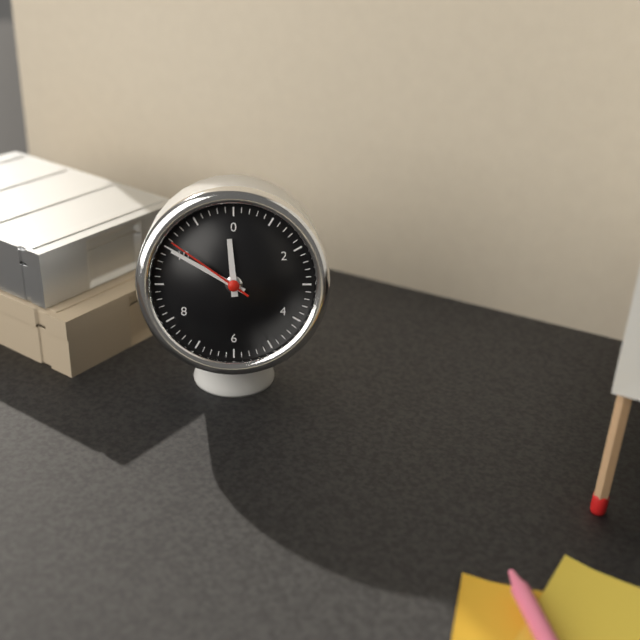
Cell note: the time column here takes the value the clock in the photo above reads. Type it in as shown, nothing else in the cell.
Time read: 11:50:51
